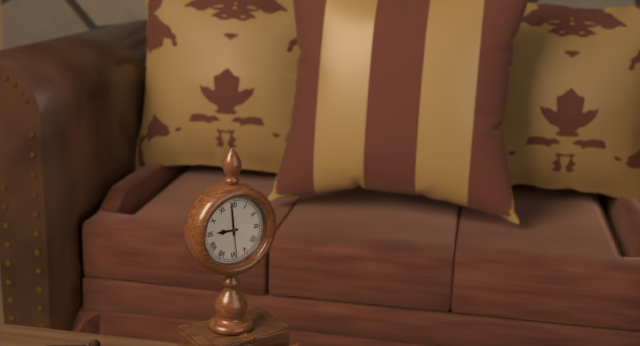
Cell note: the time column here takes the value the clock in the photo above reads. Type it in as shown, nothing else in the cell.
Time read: 8:59
